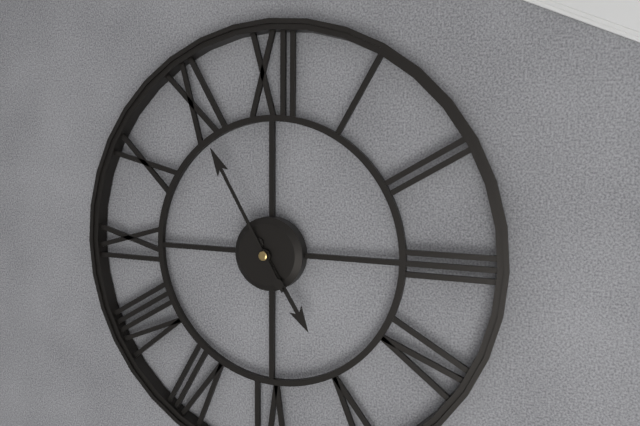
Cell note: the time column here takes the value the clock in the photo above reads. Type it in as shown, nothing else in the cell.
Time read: 4:55
